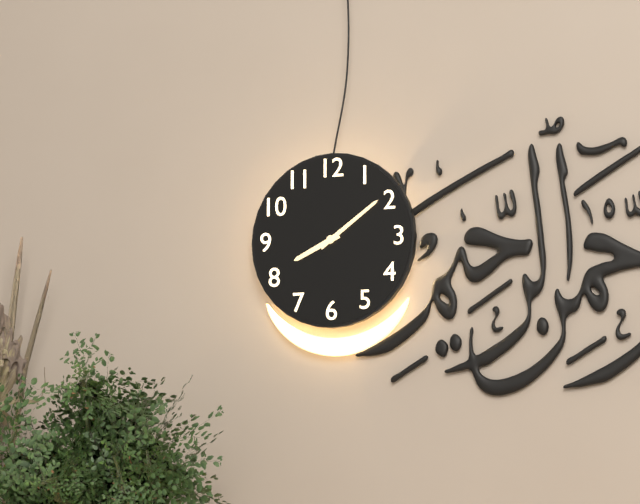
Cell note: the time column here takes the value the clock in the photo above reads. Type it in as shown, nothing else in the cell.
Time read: 8:09
